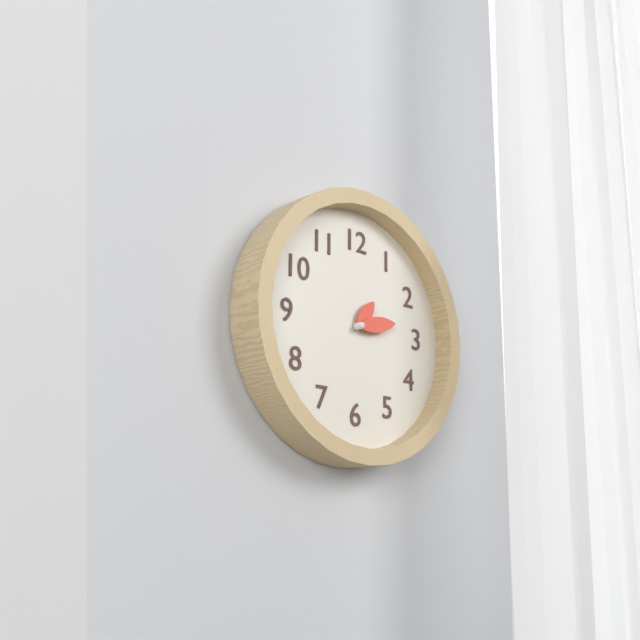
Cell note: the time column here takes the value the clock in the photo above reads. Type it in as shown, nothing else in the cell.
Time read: 1:13
